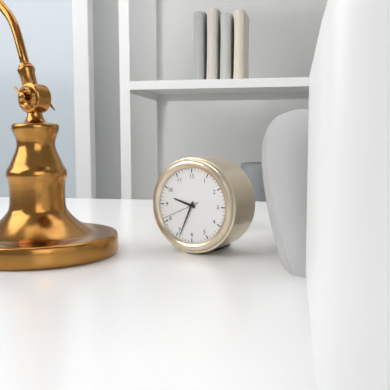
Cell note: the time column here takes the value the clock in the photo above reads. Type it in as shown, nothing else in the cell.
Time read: 9:34:41
